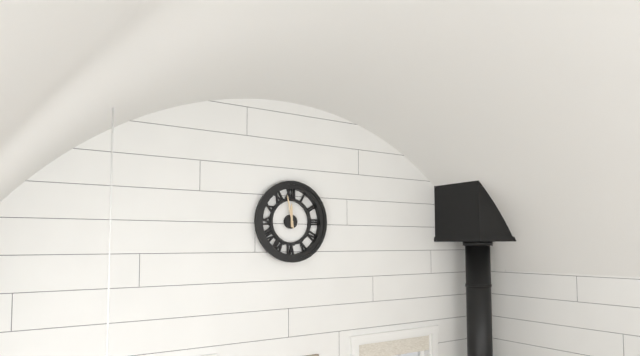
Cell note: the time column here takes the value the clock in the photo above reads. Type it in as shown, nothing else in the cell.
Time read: 11:58
